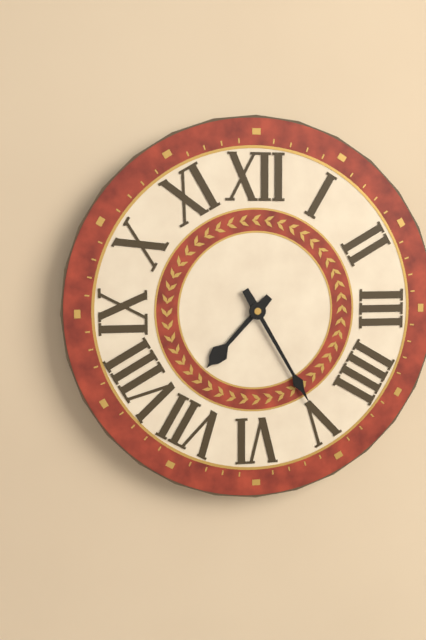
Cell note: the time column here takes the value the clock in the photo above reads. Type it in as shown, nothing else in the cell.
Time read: 7:25
